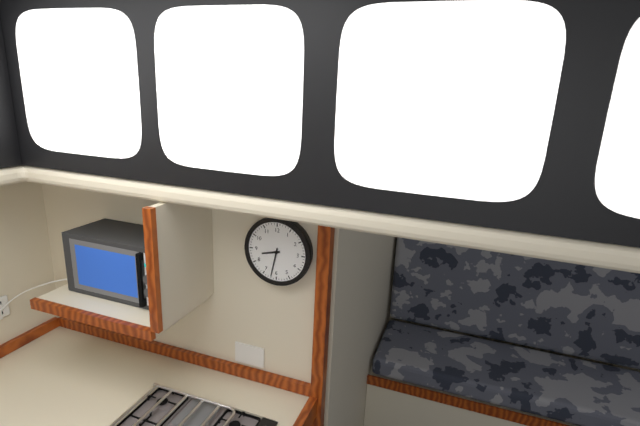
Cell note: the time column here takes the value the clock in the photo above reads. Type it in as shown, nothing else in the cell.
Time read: 8:32
